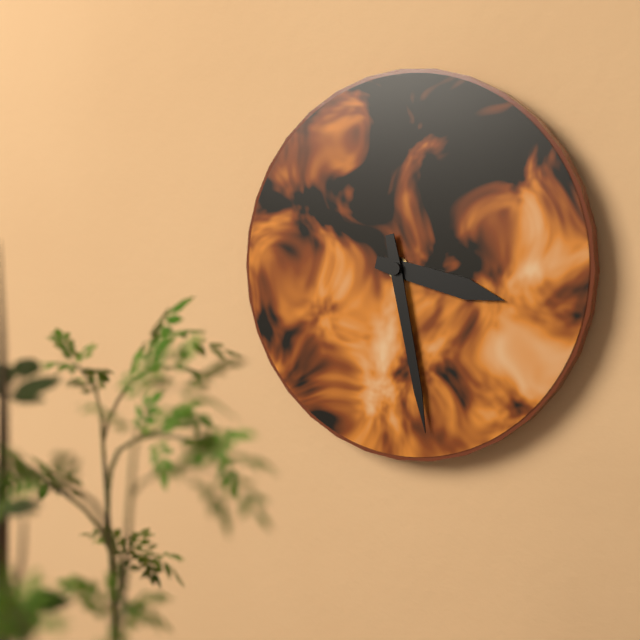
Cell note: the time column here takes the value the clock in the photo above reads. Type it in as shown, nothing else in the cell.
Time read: 3:28
